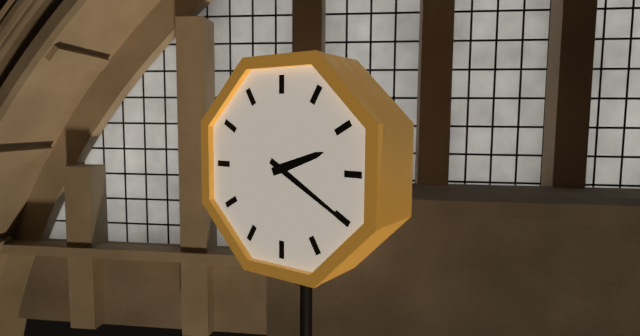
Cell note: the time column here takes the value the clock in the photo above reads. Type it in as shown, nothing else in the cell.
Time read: 2:20
